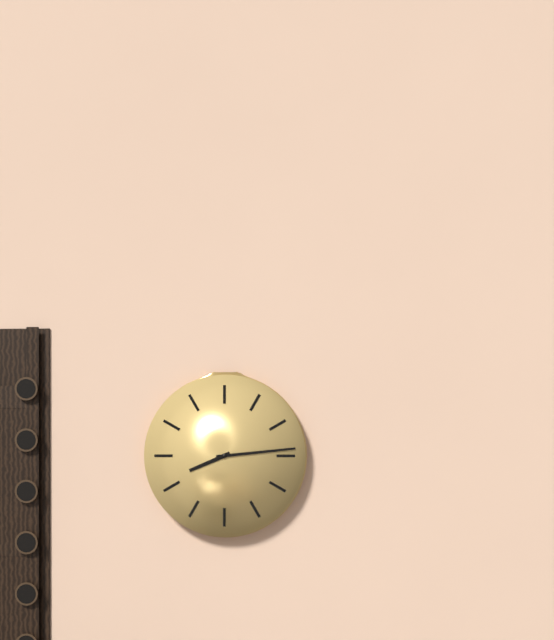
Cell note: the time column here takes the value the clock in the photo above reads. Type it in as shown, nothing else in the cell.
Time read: 8:14
